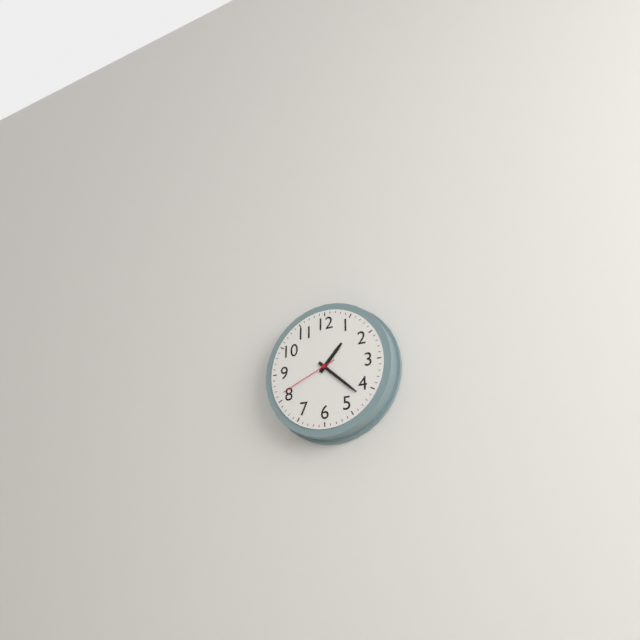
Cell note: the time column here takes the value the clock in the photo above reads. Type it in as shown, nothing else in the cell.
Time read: 1:22:41
